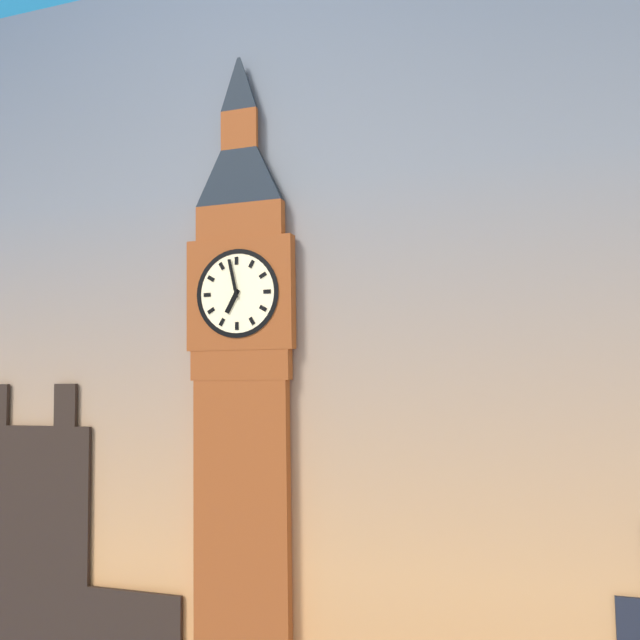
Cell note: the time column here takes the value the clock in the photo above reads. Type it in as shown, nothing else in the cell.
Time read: 6:58
